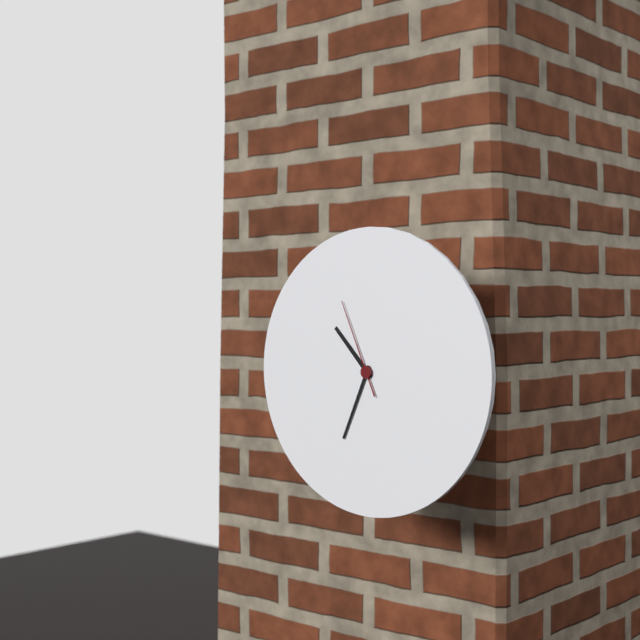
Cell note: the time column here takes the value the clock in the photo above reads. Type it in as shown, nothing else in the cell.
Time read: 10:34:56
